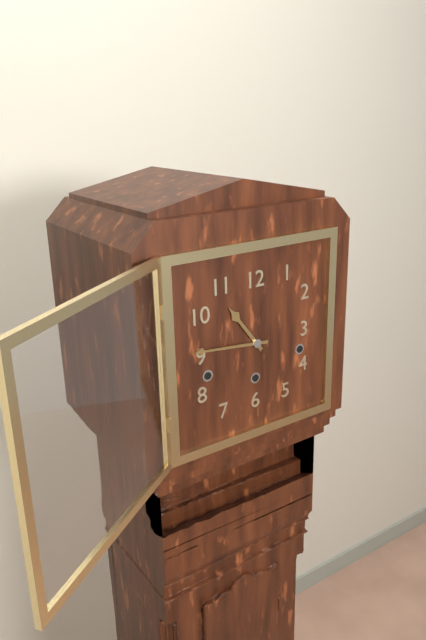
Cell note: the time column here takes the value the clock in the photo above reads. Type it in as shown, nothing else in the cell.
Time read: 10:46
